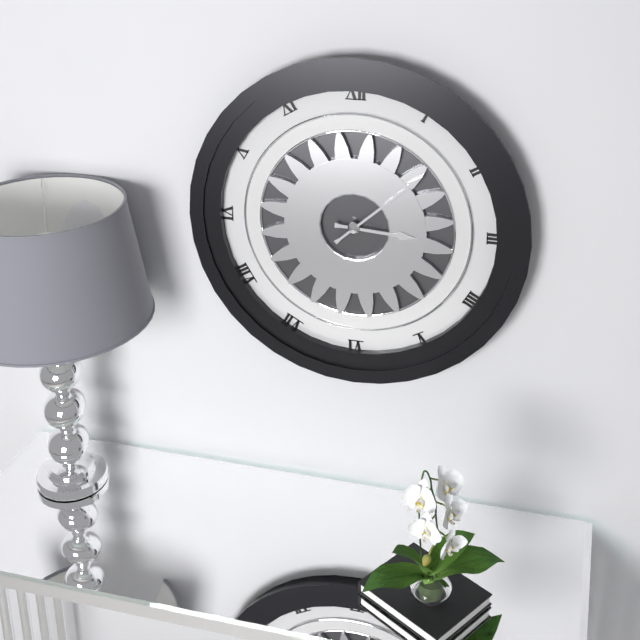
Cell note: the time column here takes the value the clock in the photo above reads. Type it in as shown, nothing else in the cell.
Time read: 3:08
